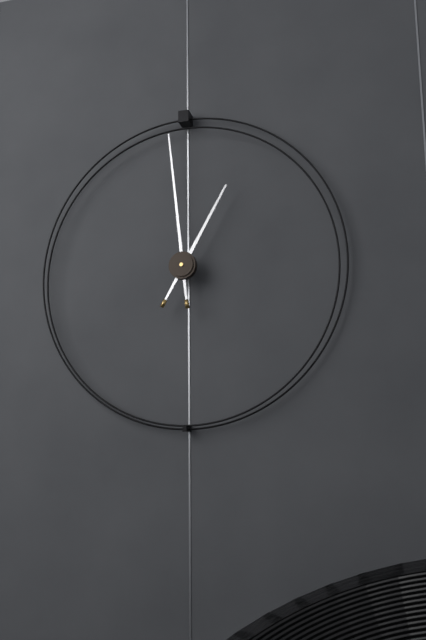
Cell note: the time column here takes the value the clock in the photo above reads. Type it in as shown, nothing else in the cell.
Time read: 12:59
